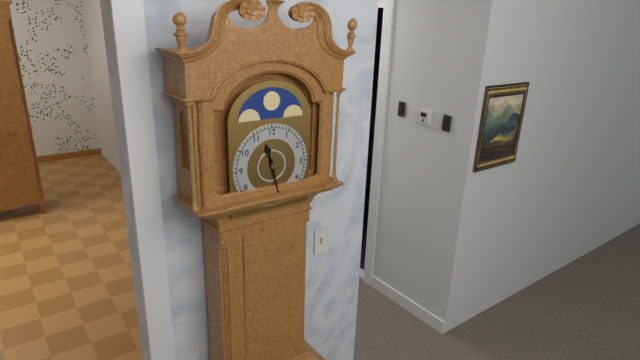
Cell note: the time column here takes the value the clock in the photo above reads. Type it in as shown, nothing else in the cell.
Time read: 11:28
